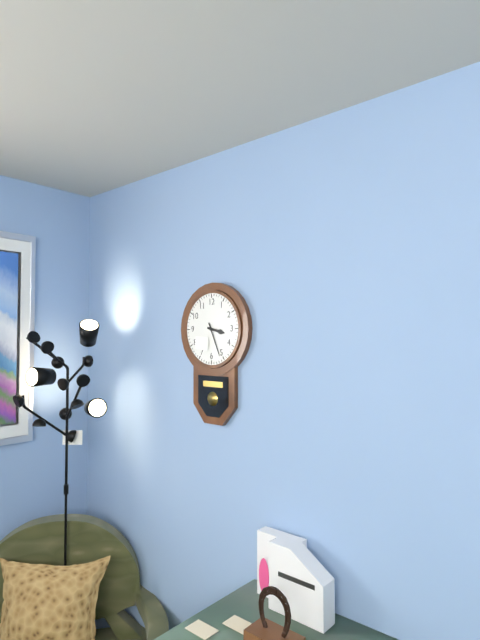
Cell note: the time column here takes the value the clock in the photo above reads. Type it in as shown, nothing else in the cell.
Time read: 3:26
